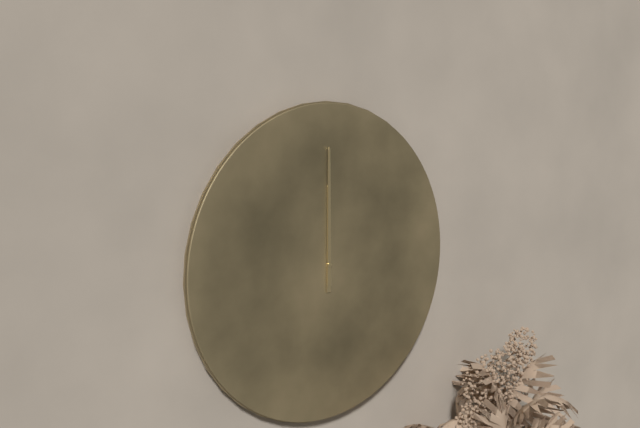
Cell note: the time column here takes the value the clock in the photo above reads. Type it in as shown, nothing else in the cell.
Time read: 12:00
